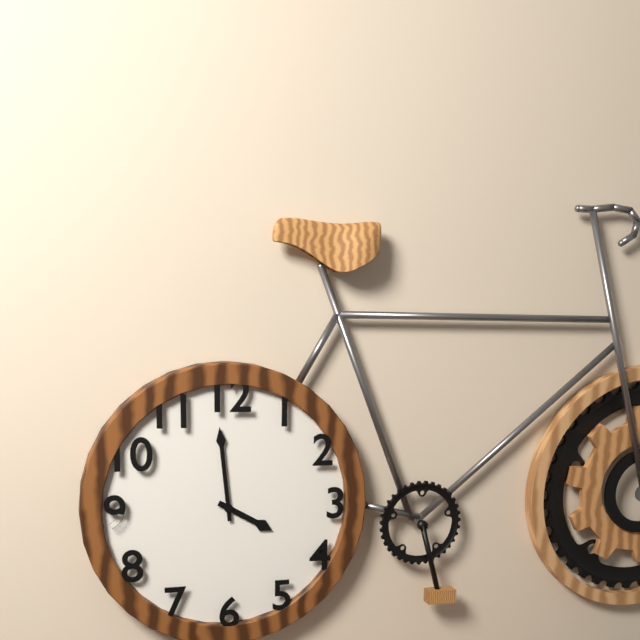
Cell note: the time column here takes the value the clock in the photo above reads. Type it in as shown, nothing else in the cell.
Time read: 3:59
